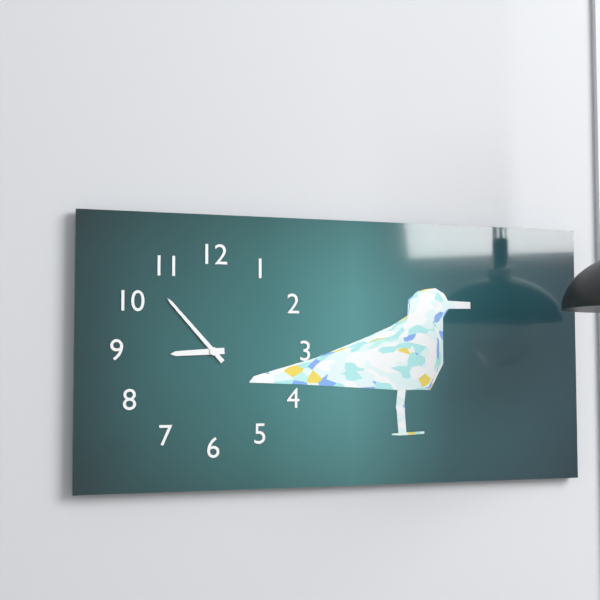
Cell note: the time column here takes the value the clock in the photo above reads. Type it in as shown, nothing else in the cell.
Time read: 8:53
